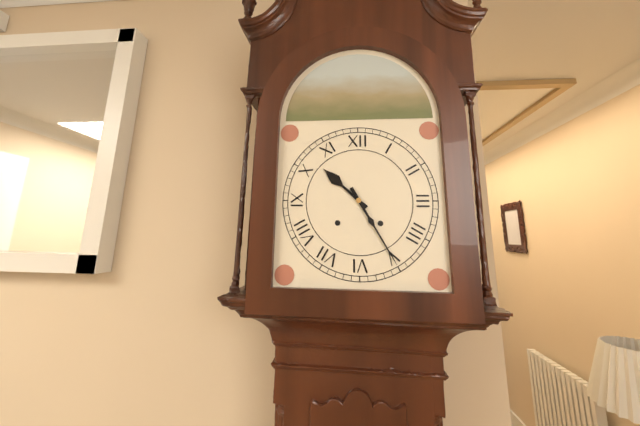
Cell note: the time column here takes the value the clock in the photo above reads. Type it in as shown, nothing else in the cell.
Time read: 10:25
